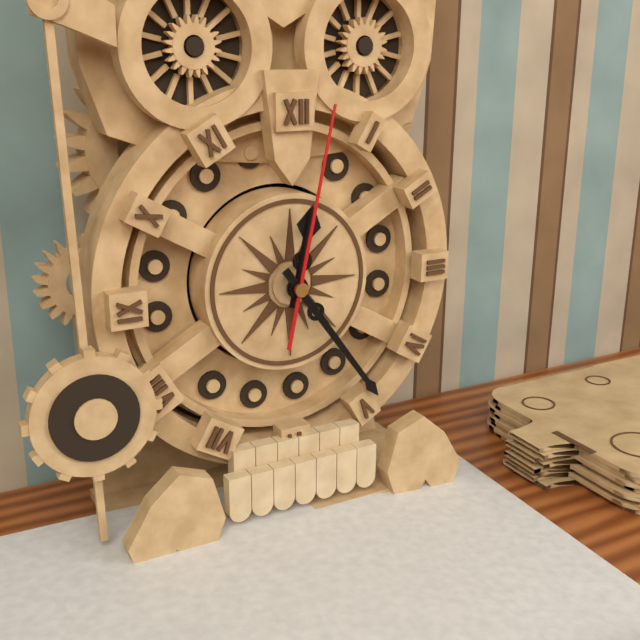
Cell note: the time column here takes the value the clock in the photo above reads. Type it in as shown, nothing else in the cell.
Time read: 12:24:02
